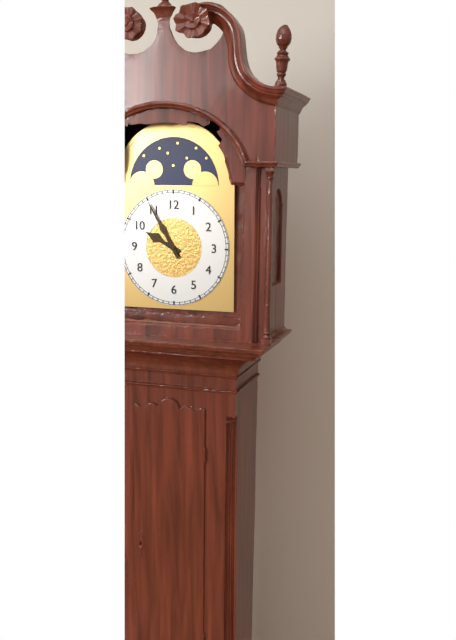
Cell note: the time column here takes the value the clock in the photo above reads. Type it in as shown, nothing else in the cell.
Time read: 9:55
